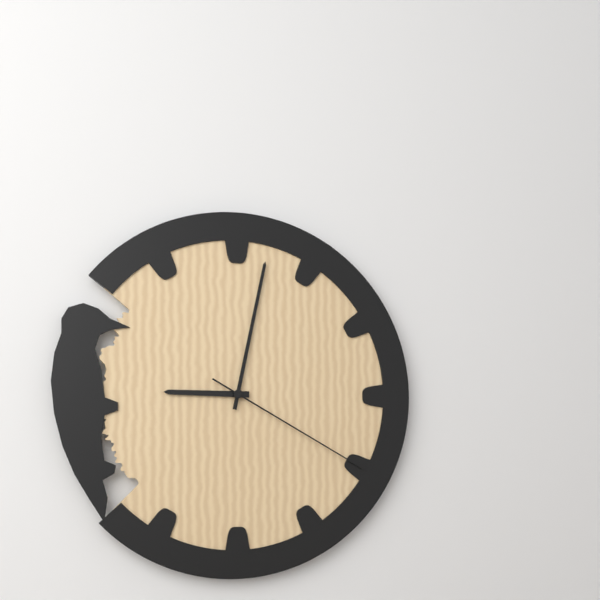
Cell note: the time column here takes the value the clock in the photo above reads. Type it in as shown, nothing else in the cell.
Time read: 9:02:20
